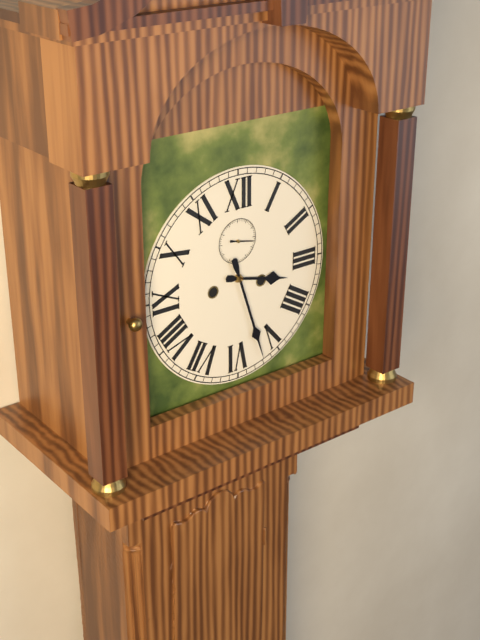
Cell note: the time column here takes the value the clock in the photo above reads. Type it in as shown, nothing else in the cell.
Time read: 3:27
